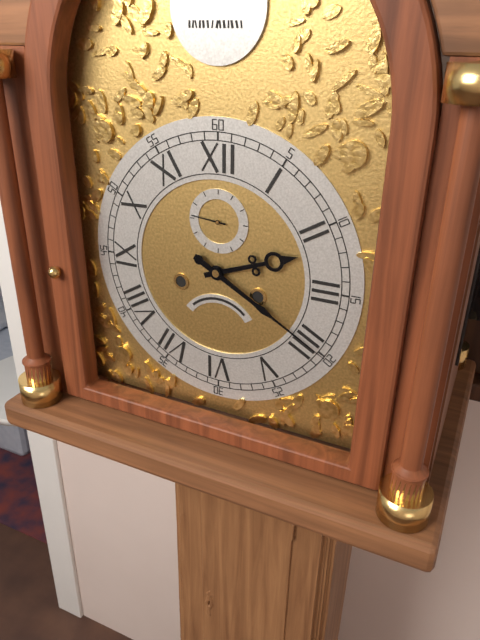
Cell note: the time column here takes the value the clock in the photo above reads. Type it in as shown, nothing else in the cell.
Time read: 2:20
